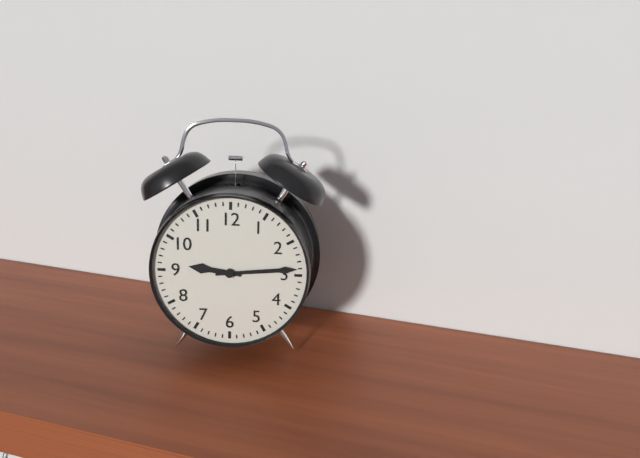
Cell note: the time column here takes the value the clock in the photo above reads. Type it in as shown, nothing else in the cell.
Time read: 9:14
